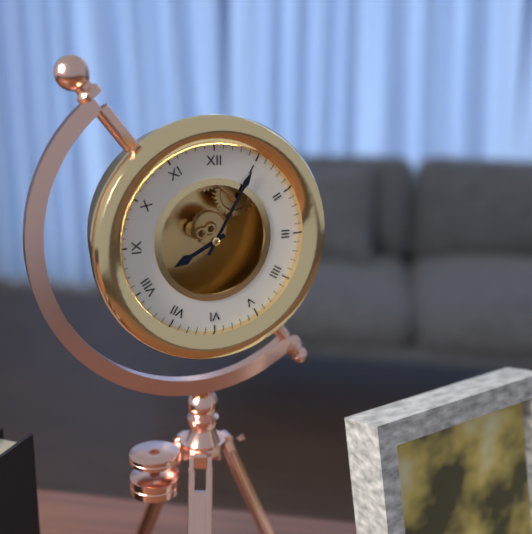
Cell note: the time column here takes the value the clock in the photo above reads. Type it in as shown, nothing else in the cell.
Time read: 8:05
